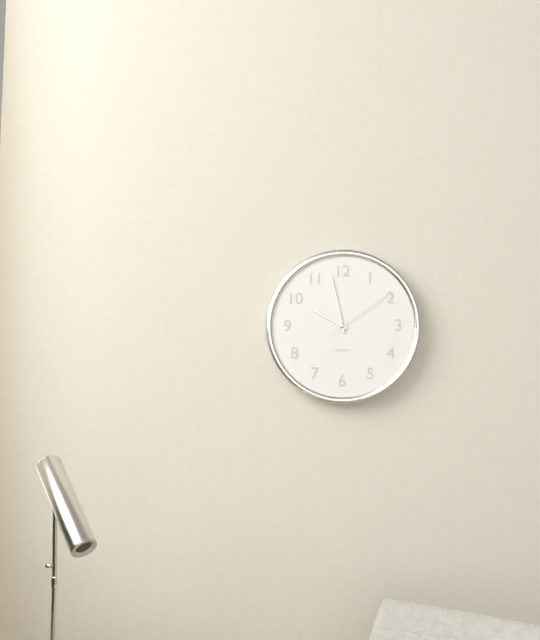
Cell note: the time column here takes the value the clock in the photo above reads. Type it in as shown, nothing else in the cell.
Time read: 9:58:09
